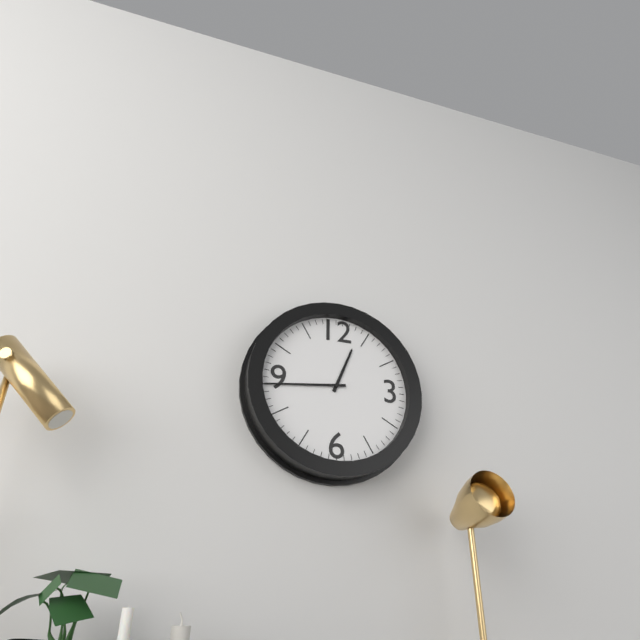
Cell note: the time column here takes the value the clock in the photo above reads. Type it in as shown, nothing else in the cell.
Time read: 12:44
